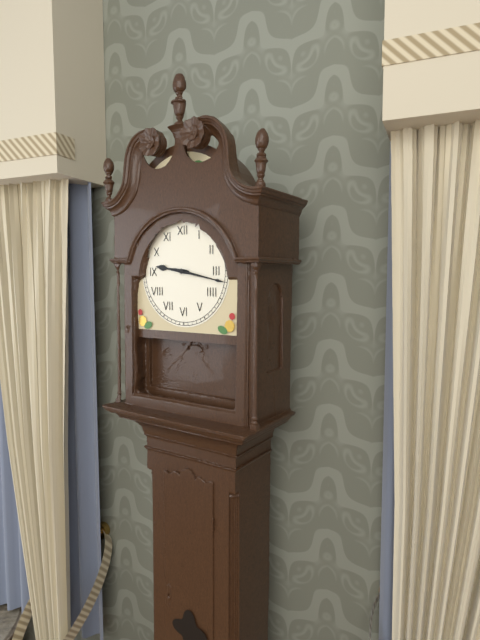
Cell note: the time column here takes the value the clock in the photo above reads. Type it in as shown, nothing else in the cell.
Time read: 9:17
